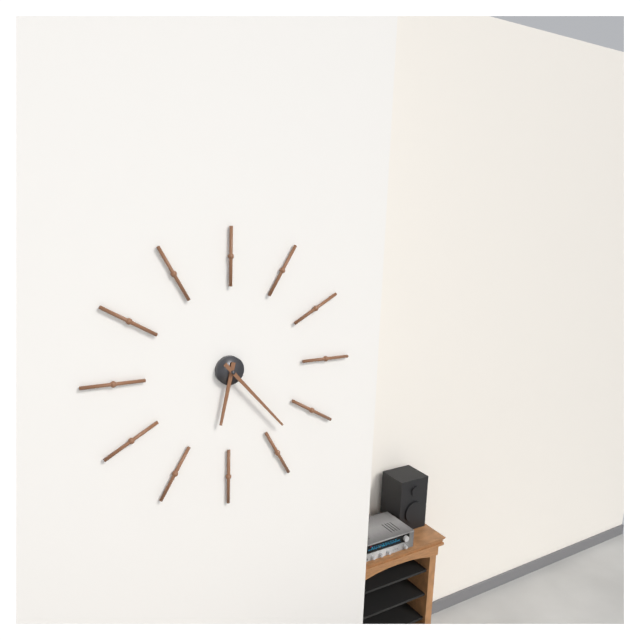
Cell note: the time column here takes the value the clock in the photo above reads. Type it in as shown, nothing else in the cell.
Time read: 6:23
